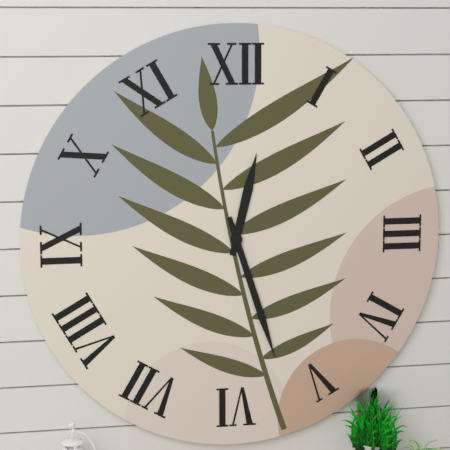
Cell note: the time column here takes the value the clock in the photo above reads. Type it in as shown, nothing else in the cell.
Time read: 12:27
